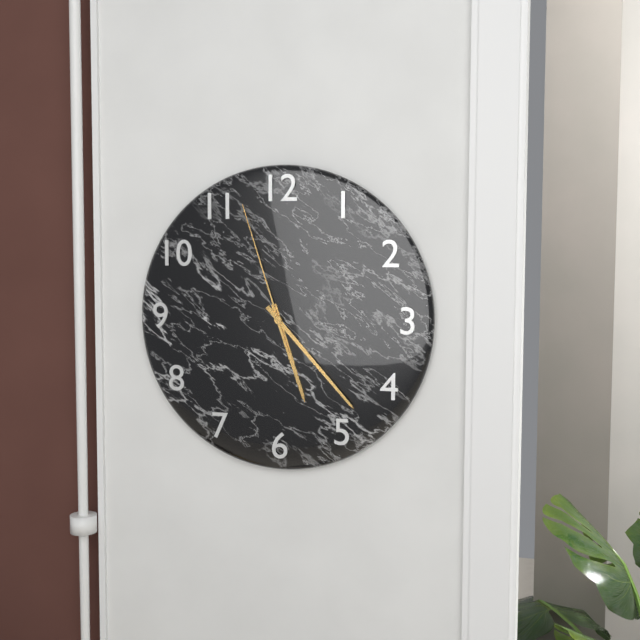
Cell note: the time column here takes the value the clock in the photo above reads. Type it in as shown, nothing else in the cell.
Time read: 5:23:57
